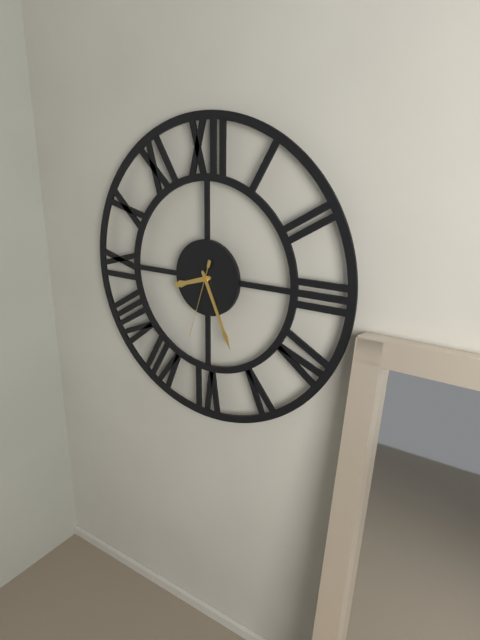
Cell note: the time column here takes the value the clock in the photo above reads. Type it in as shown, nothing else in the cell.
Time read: 8:26:33
